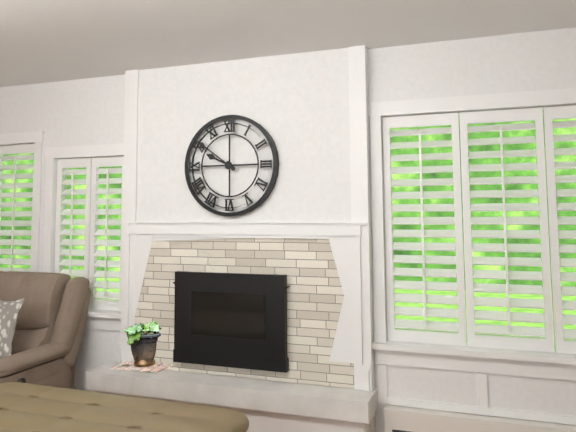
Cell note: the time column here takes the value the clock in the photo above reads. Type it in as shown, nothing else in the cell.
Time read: 9:51
